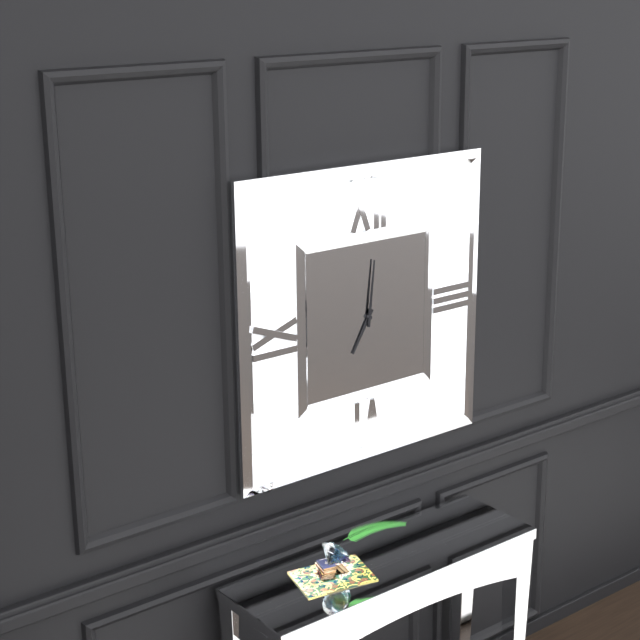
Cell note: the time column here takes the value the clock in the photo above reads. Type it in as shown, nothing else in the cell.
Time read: 7:01
